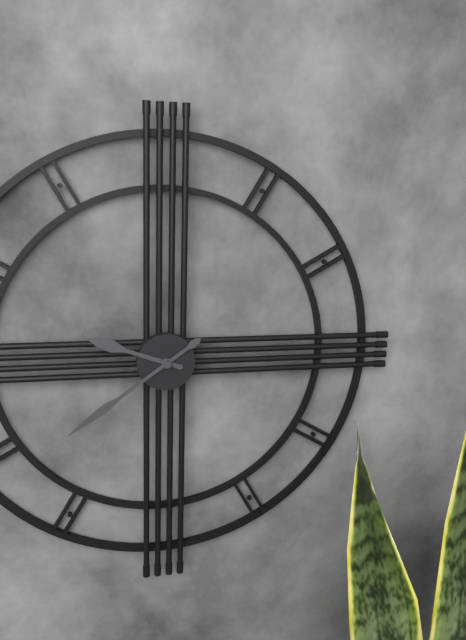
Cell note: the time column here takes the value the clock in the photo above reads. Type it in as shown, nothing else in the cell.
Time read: 9:39
